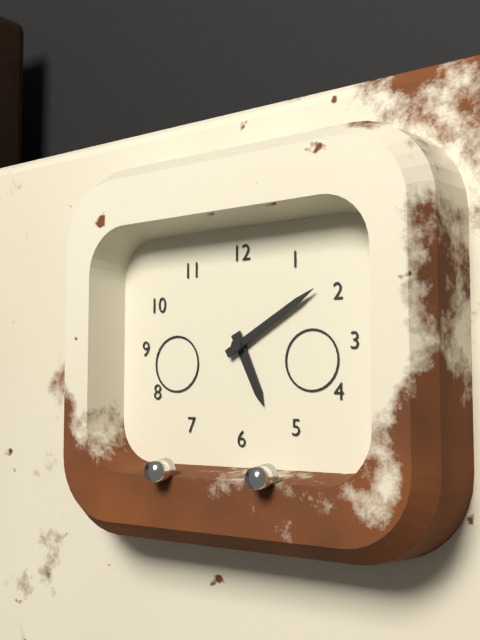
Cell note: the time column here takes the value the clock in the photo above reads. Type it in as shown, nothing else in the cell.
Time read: 5:10
